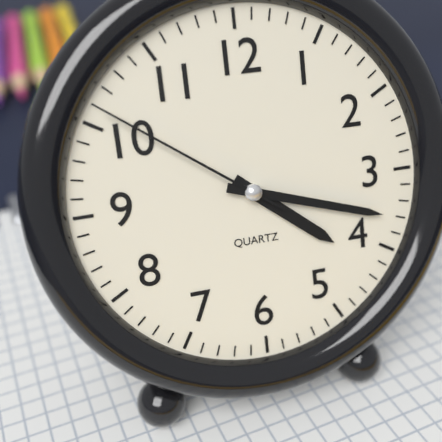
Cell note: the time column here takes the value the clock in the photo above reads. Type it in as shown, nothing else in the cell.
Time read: 4:18:51
